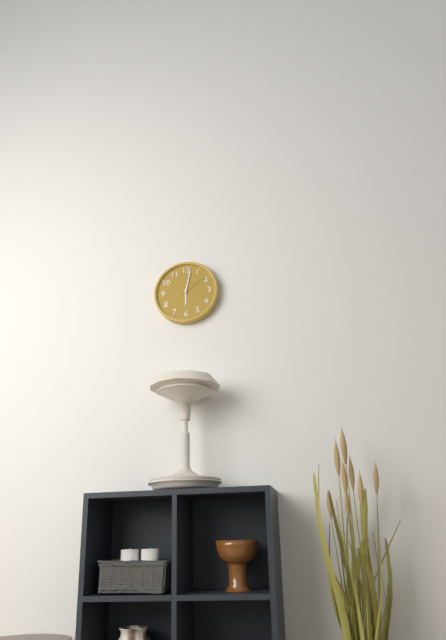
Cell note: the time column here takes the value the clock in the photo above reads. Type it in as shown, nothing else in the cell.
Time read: 6:02
